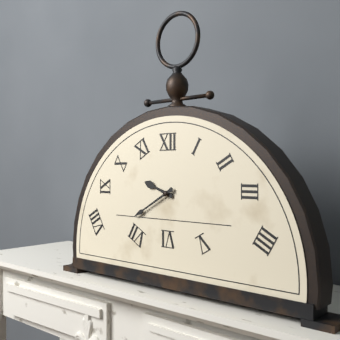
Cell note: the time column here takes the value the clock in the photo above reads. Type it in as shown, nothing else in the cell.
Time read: 9:40
